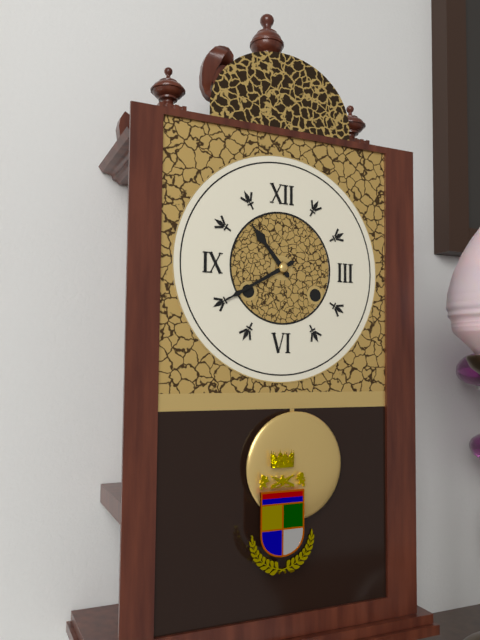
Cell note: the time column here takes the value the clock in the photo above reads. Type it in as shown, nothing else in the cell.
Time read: 10:40
